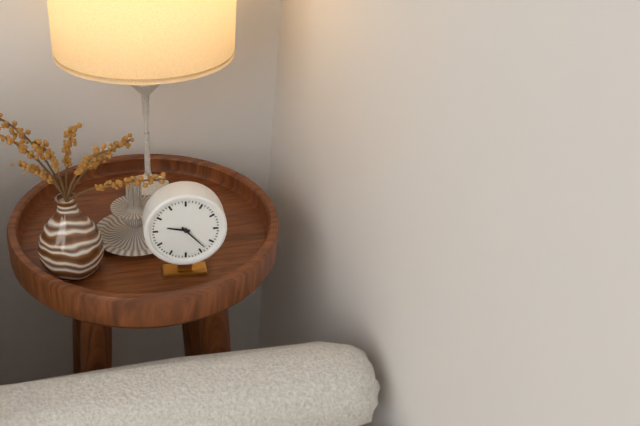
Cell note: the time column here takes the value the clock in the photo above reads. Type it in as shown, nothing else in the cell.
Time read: 9:23
